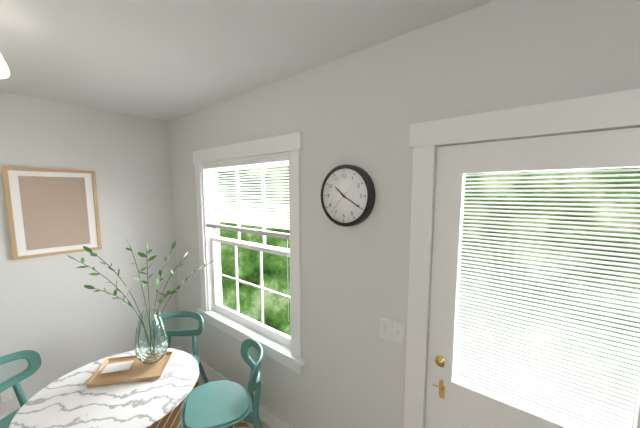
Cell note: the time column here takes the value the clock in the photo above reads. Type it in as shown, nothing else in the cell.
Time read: 10:20
